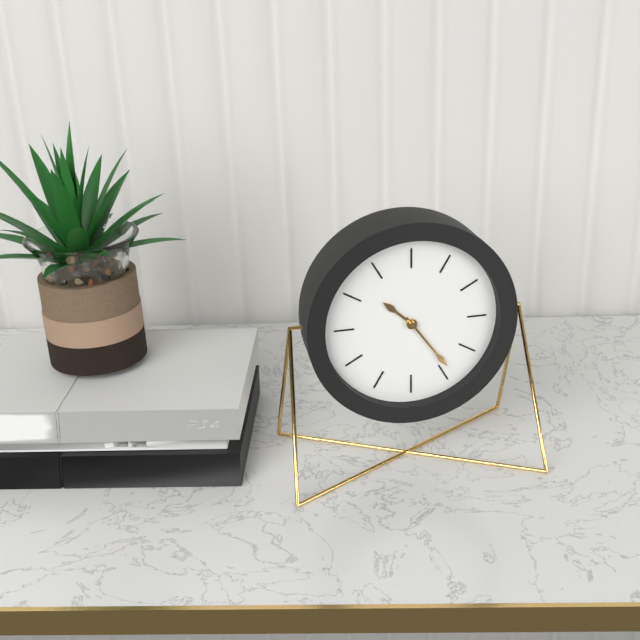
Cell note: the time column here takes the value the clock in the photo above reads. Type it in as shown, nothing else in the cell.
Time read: 10:24
